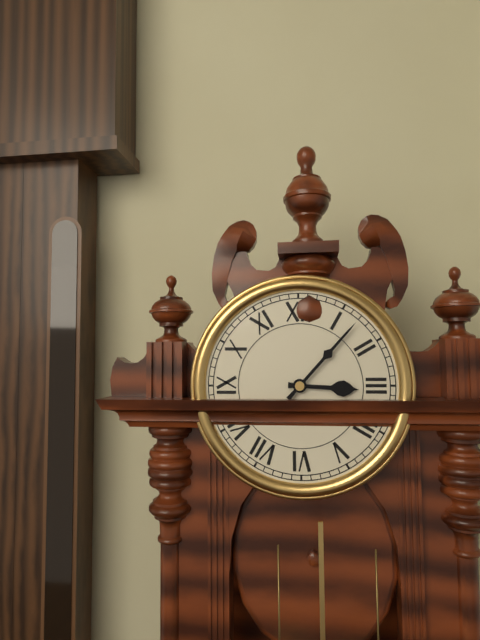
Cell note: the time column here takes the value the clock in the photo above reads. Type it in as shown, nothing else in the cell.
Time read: 3:07
